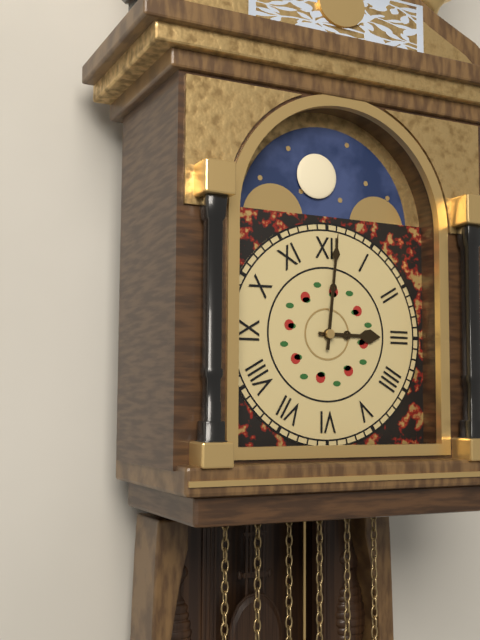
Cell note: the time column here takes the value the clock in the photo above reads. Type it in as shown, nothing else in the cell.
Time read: 3:01
